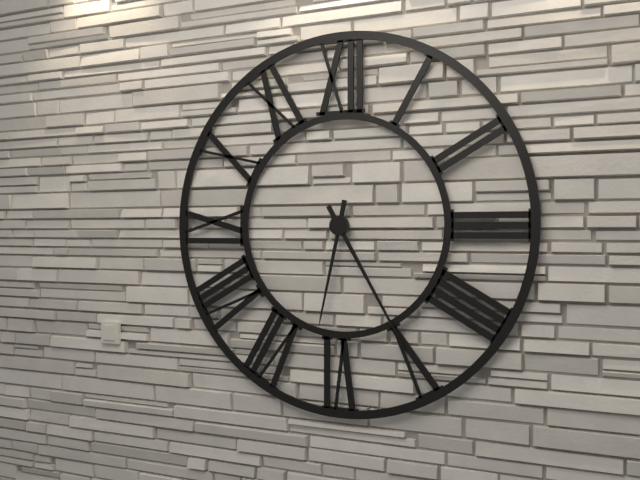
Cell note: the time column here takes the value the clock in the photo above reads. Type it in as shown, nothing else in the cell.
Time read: 6:25
